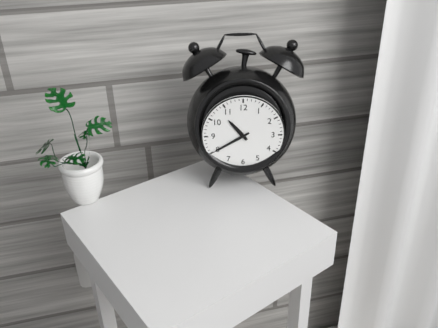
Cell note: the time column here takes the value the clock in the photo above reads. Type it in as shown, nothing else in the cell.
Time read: 10:40
